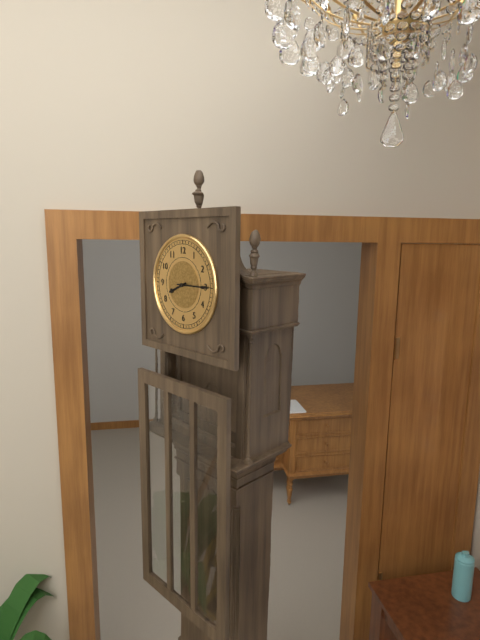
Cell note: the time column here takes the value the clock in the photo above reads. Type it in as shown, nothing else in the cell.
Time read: 8:15
